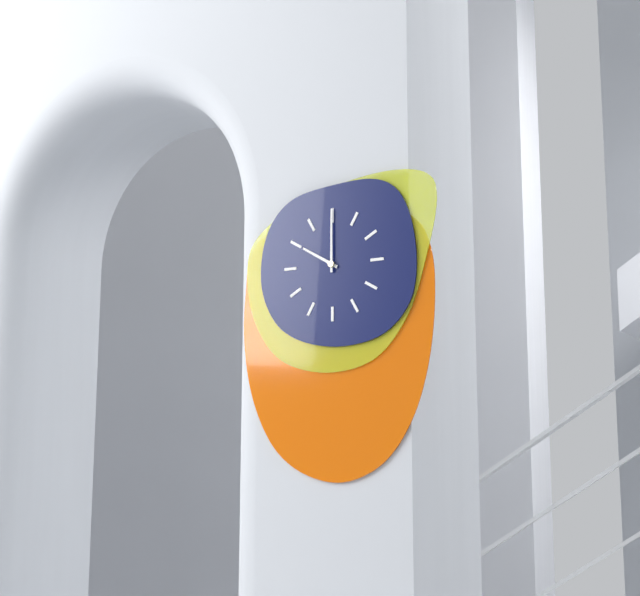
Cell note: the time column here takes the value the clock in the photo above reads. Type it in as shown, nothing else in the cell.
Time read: 10:00
